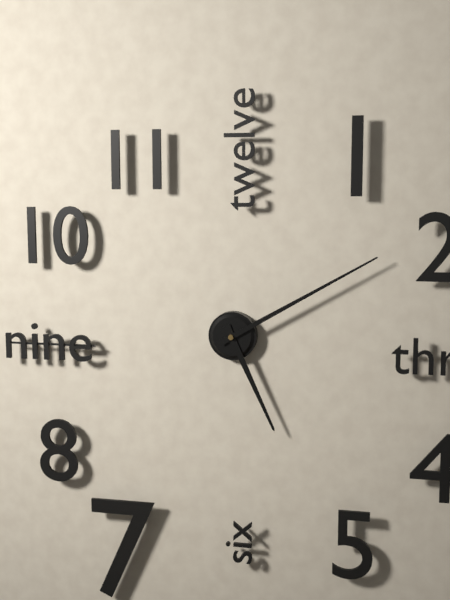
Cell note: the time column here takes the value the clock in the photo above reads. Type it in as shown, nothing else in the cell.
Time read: 5:10
